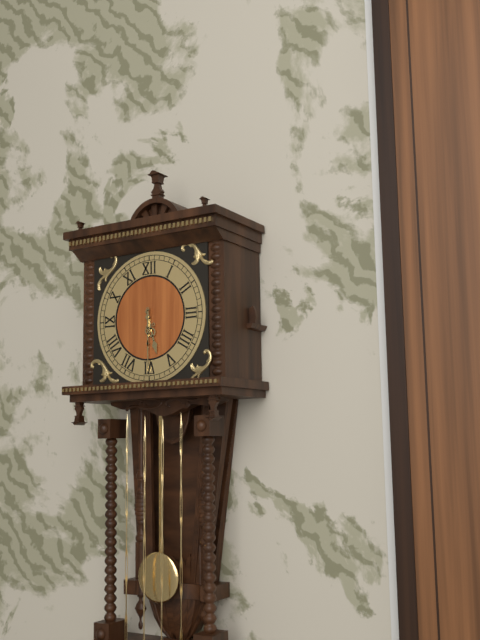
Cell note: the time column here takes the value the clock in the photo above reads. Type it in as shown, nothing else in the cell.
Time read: 5:30
